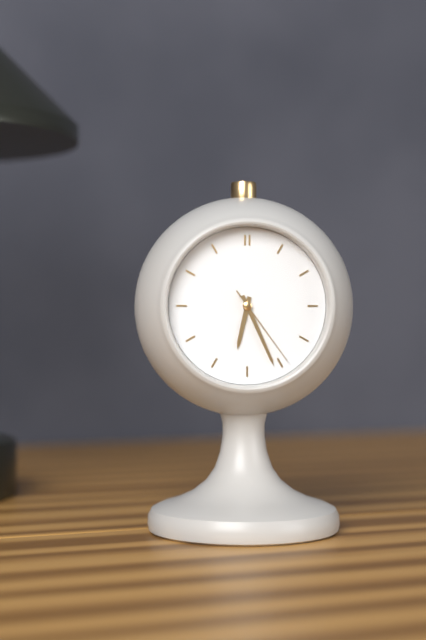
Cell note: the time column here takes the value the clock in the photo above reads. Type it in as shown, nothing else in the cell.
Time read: 6:26:24
